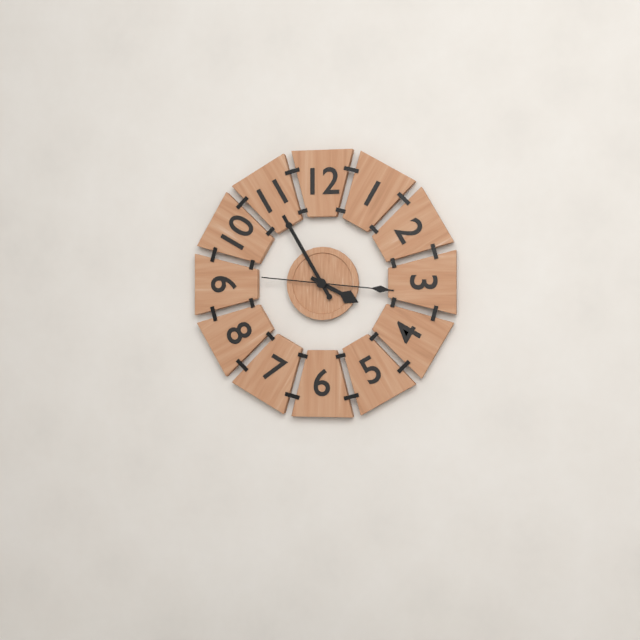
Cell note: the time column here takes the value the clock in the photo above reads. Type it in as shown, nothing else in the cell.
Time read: 3:55:16
